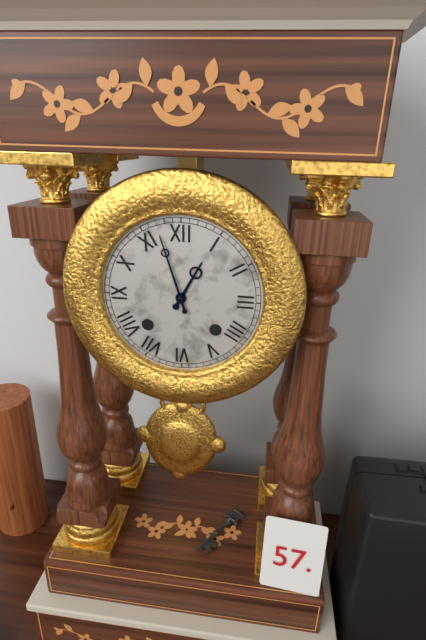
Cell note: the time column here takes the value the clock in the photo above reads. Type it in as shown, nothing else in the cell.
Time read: 12:57
